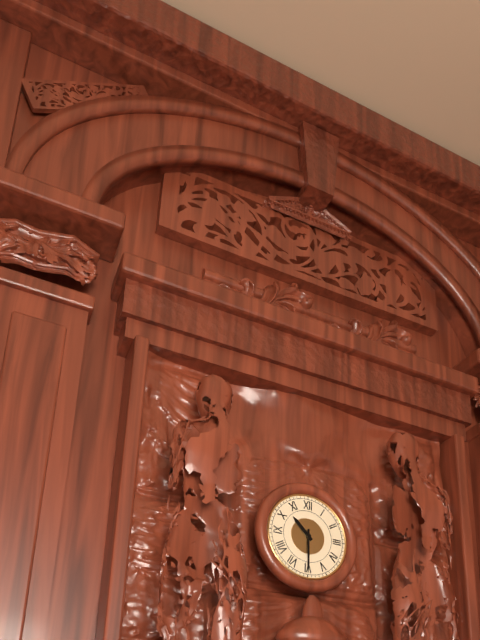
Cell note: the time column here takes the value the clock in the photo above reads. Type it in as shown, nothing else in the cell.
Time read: 10:30
